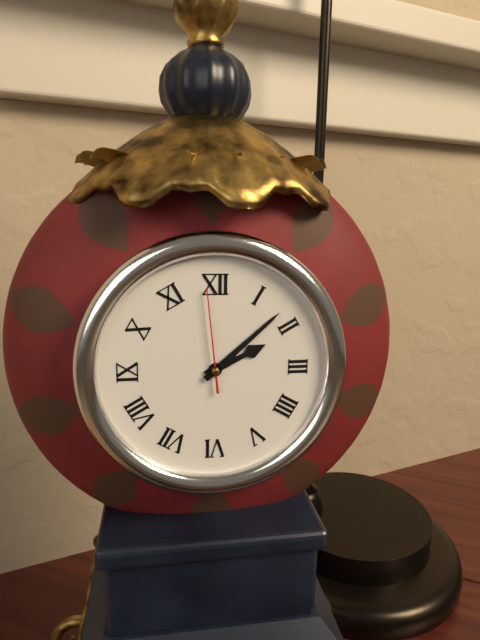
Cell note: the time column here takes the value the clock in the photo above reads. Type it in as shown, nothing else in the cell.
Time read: 2:08:59
